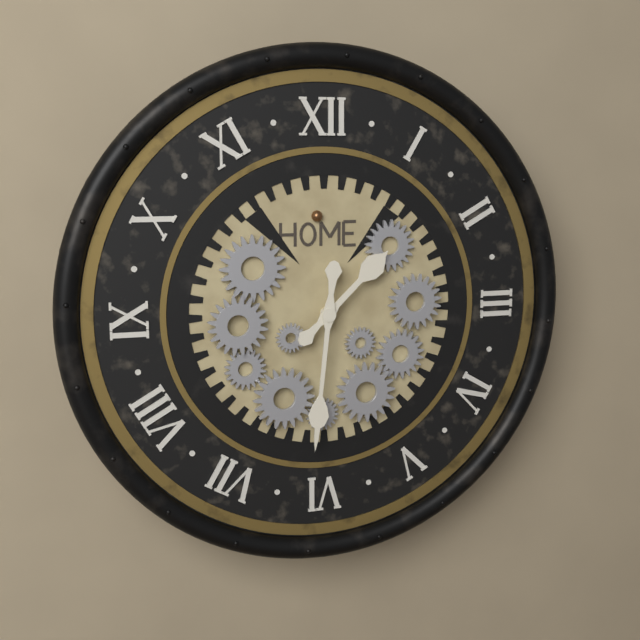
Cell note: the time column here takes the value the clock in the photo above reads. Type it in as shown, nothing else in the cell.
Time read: 1:31
